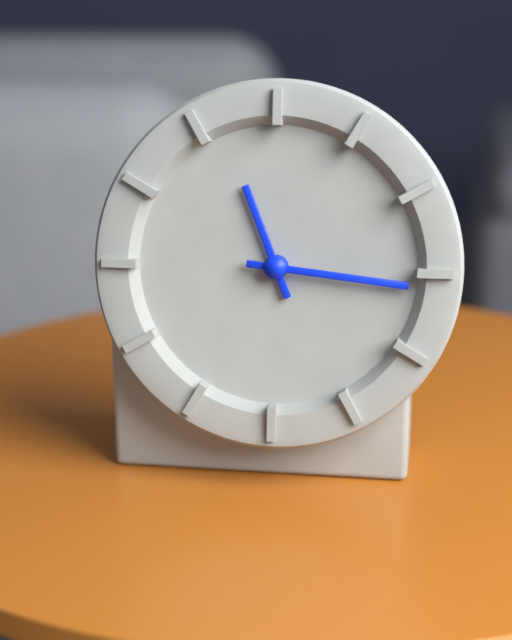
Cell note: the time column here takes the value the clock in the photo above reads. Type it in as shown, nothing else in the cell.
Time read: 11:16
